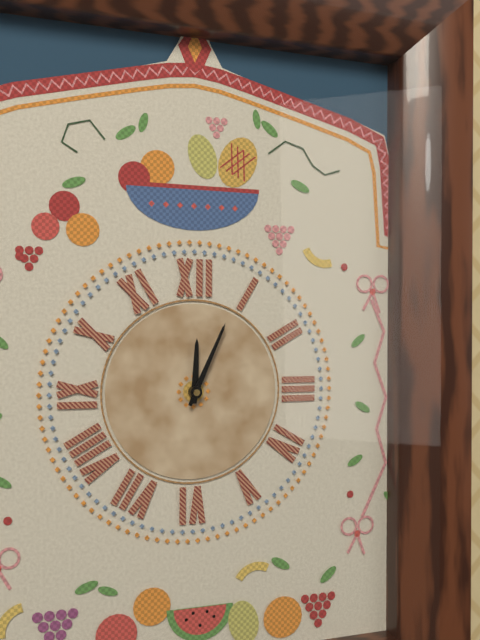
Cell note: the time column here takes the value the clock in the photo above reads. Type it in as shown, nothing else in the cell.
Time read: 12:04
